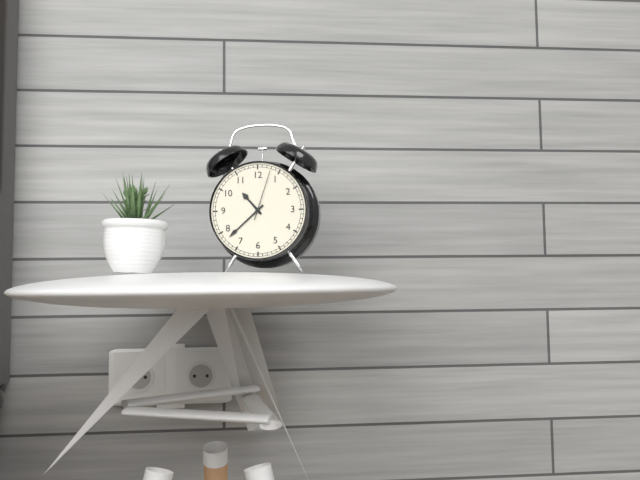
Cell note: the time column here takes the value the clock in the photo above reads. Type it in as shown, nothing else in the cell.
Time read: 10:38:03
